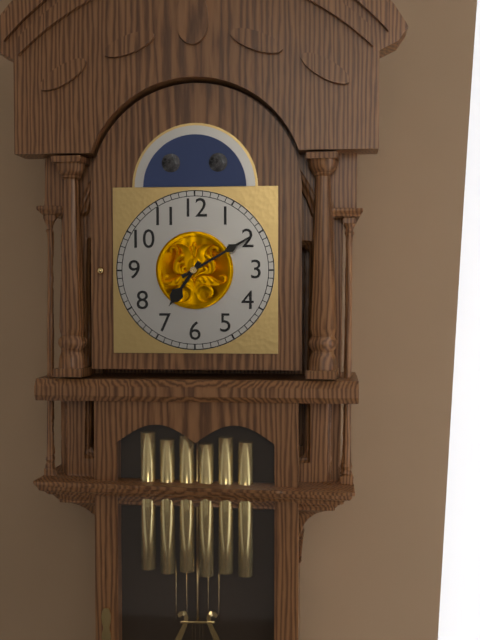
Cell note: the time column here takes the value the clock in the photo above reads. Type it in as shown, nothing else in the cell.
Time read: 7:10
